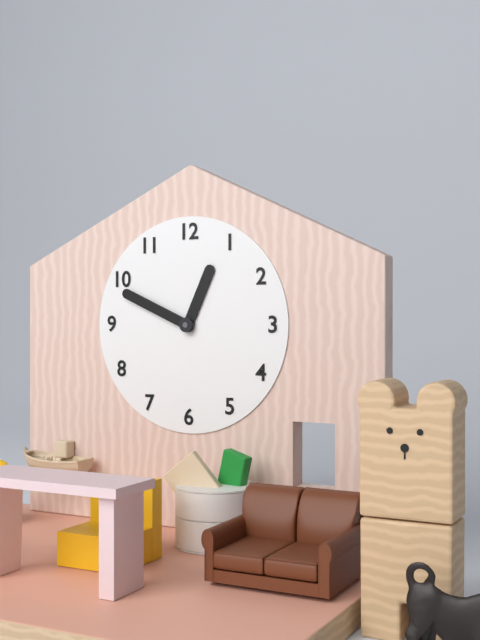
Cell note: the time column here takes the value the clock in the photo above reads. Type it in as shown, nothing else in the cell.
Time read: 12:49
